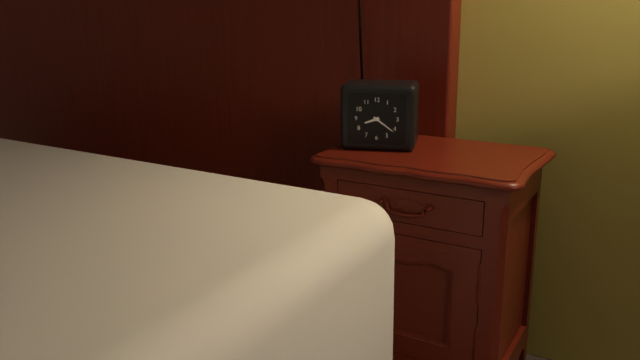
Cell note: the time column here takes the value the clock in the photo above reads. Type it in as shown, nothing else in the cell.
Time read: 8:21
